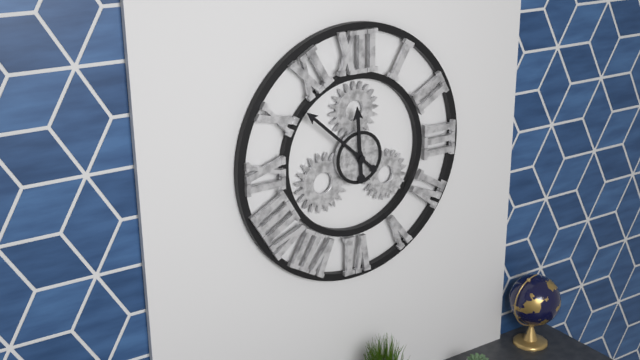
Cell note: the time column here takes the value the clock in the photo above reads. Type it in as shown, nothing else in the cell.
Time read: 11:52
